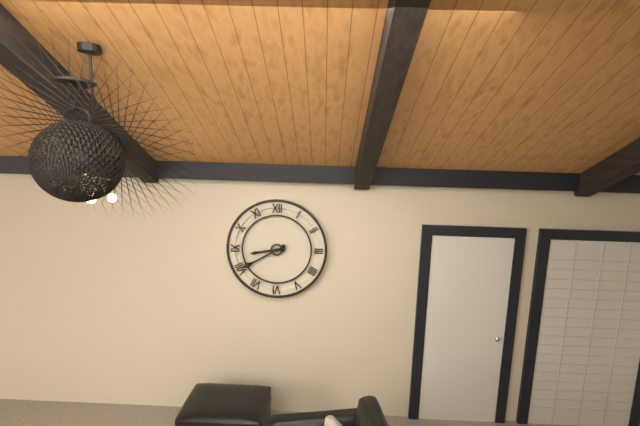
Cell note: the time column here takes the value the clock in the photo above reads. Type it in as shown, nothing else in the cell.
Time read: 8:40
